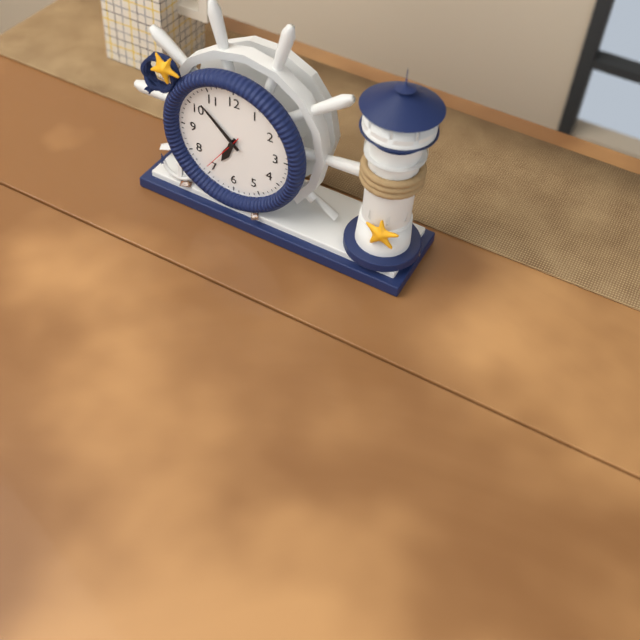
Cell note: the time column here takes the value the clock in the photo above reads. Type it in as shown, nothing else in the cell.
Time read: 6:52
